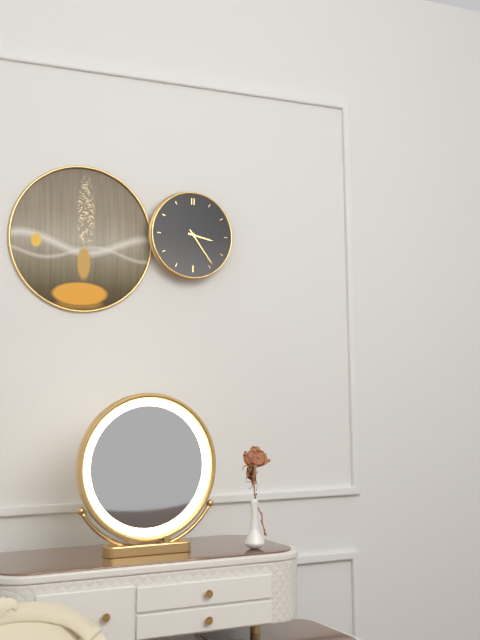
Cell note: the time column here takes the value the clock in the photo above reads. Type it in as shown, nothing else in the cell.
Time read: 3:24
